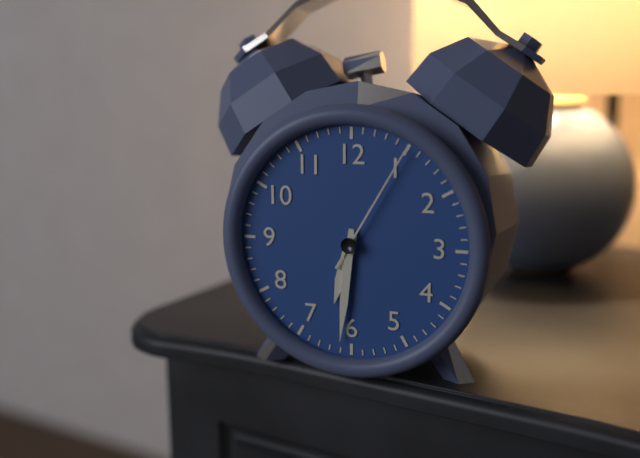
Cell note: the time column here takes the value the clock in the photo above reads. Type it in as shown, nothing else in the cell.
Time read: 6:31:05
